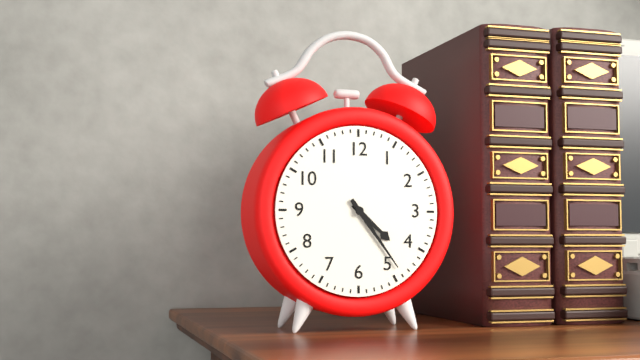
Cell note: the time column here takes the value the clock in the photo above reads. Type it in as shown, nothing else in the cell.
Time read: 4:24
